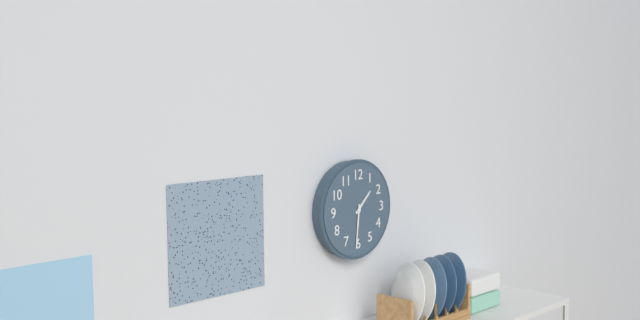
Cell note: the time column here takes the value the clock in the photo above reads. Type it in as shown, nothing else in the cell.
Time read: 1:31
